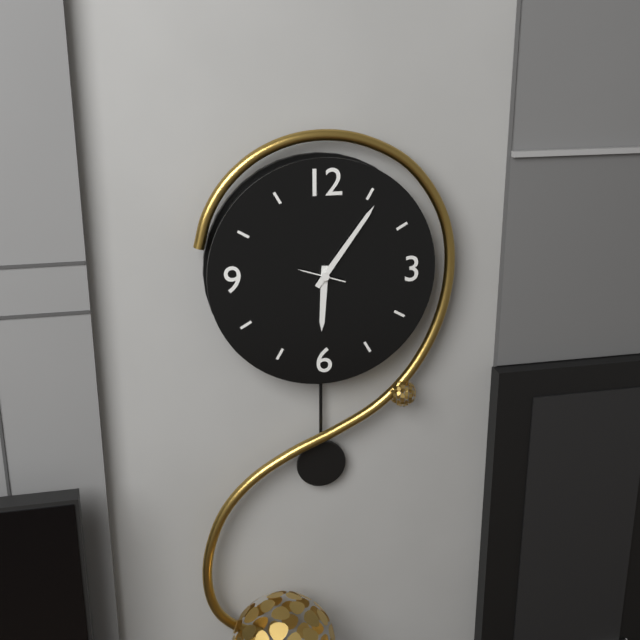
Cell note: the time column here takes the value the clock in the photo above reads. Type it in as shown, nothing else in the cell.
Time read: 6:06
